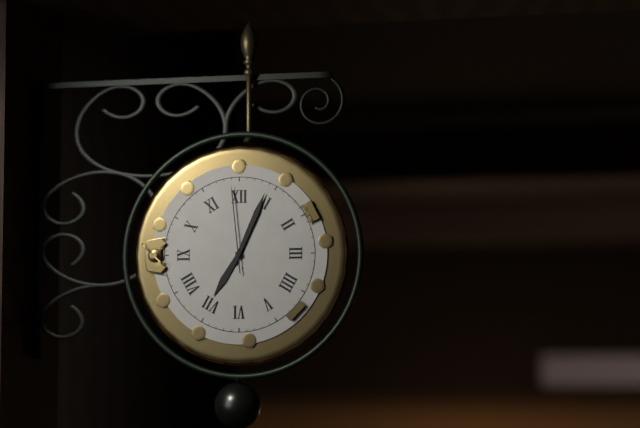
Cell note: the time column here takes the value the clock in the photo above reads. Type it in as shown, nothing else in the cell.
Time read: 7:04:59
